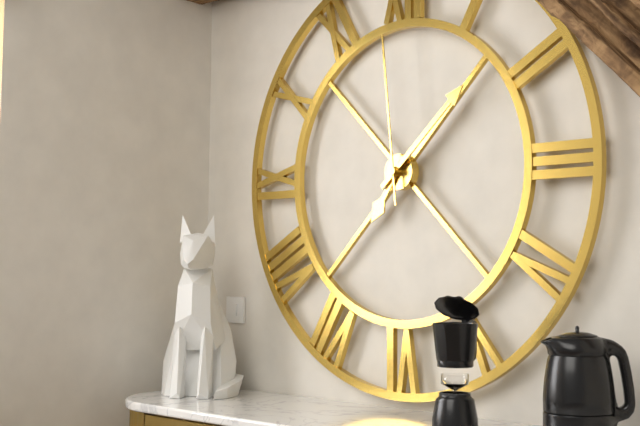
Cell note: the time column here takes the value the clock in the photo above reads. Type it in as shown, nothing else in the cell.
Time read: 7:08:59
